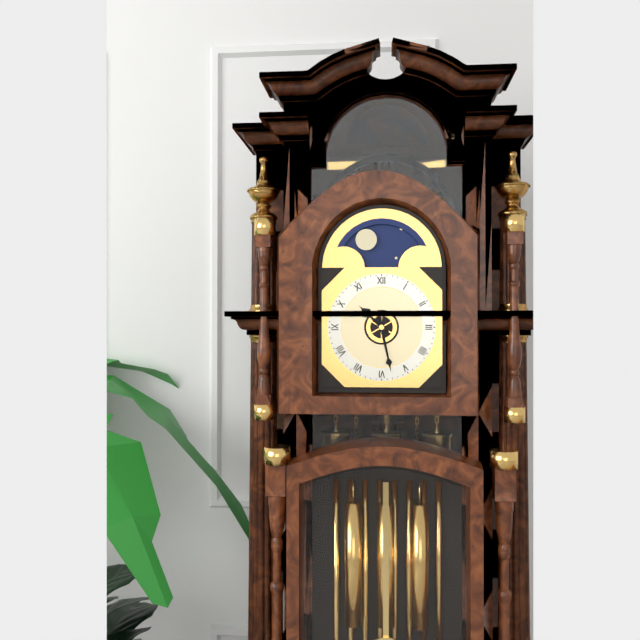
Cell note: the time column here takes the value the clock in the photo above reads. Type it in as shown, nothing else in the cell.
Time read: 10:28
